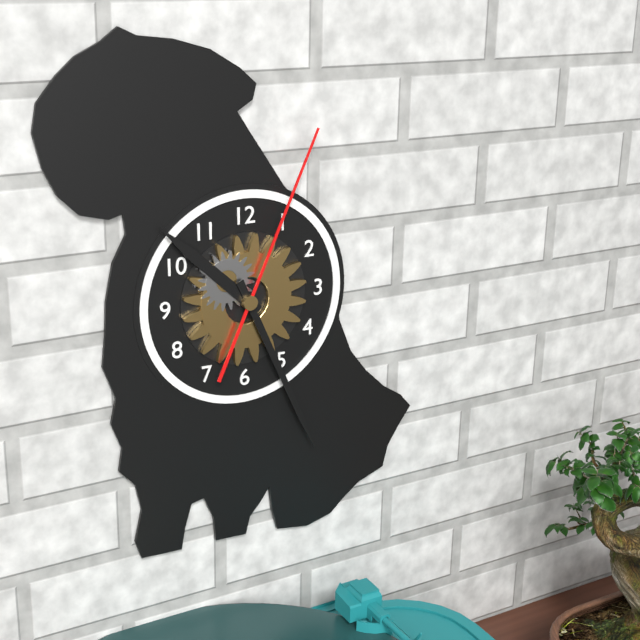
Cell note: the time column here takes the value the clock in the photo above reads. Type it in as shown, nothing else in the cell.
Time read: 10:26:04
